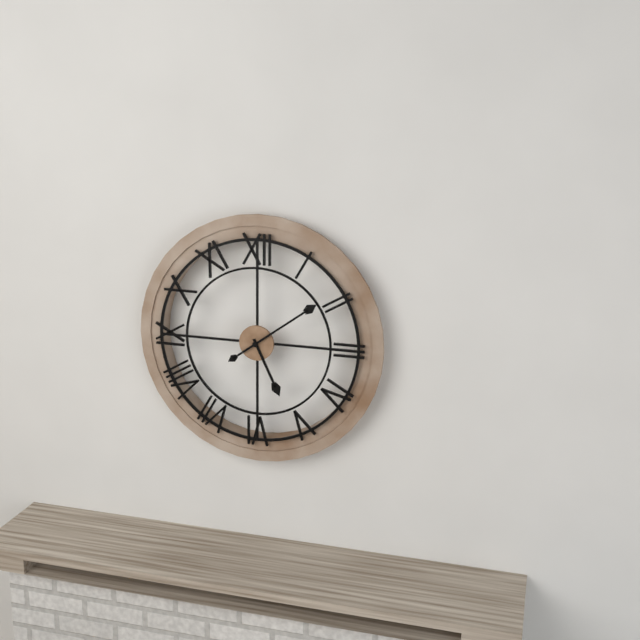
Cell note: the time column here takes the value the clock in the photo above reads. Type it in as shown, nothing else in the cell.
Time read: 5:09
